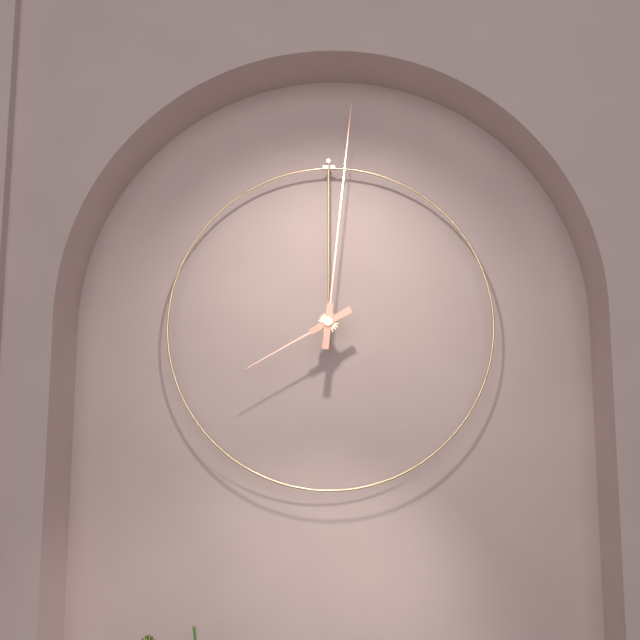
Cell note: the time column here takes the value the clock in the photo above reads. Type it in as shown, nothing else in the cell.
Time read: 8:01
